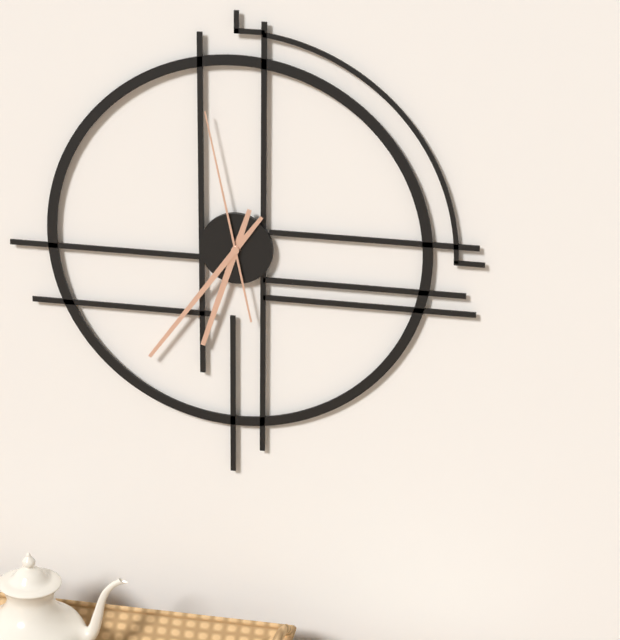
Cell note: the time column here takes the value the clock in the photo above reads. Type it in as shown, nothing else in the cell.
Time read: 6:36:58
